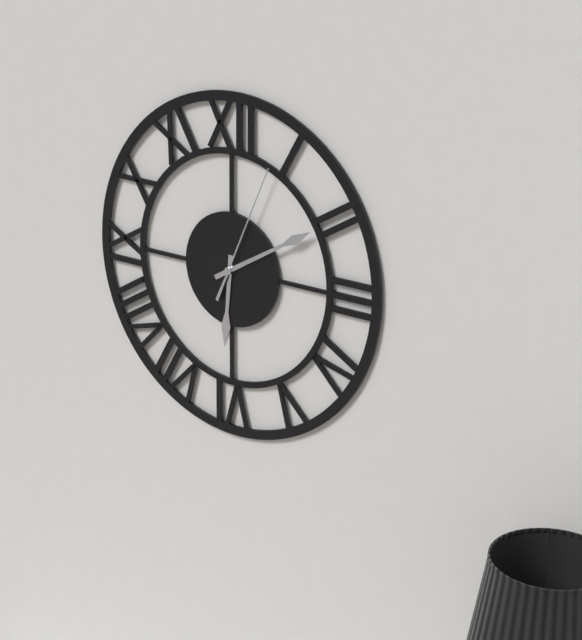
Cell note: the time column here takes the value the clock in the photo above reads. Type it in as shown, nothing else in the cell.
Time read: 6:10:04
